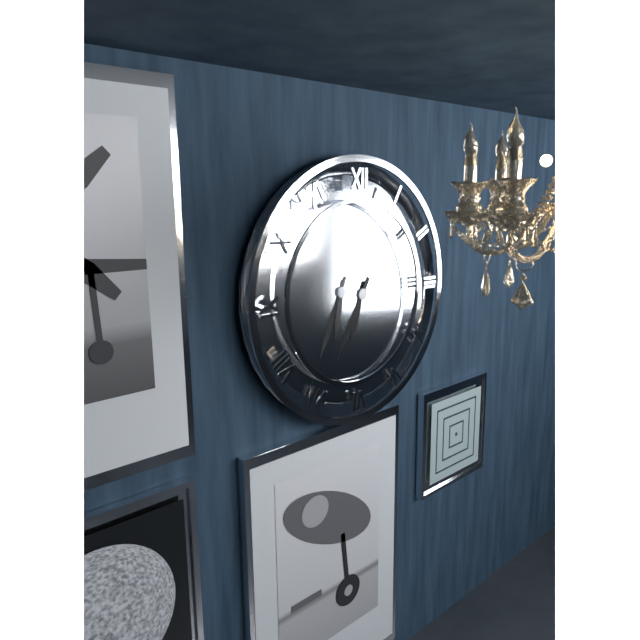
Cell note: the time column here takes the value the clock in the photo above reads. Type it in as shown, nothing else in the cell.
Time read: 6:35
